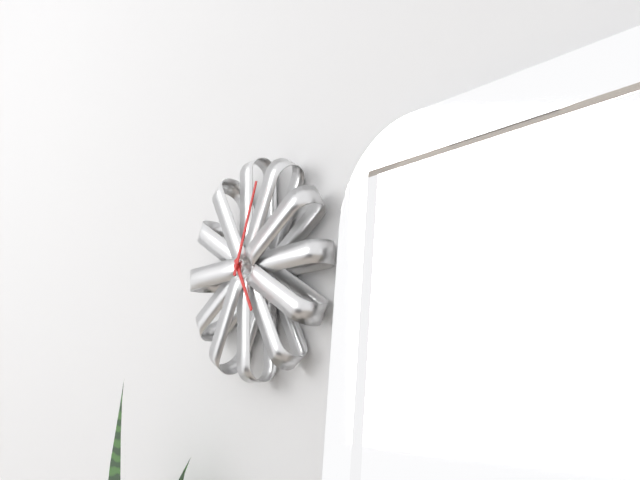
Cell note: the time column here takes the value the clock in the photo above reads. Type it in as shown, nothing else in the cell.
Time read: 5:04
